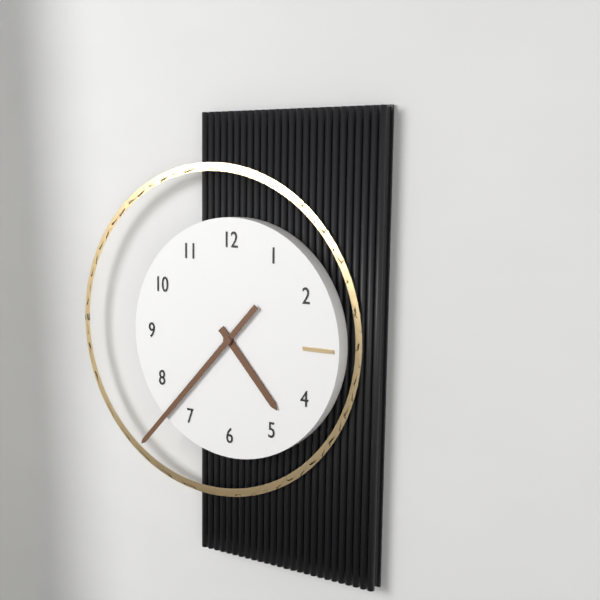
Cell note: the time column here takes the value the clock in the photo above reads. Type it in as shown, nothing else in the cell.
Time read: 4:37
